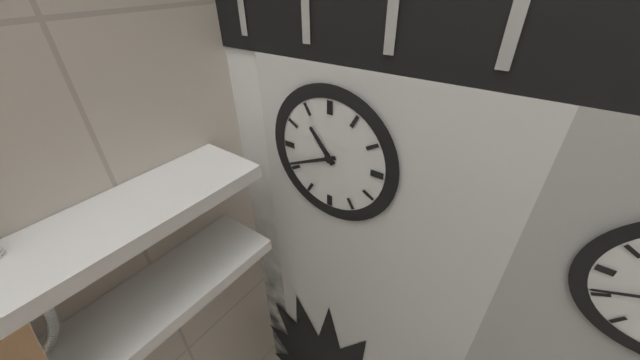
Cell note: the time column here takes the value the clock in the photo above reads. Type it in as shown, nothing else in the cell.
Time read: 10:41
